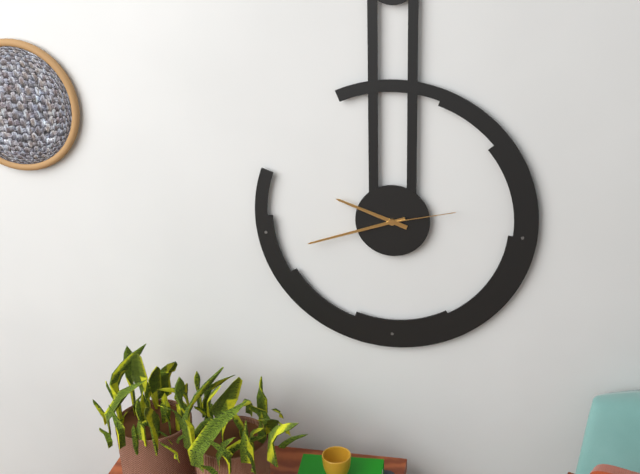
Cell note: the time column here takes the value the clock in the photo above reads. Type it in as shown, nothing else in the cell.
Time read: 9:42:13
